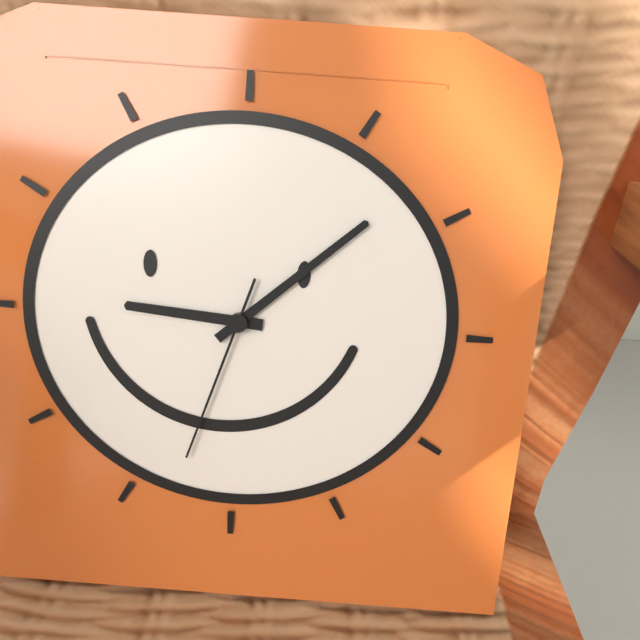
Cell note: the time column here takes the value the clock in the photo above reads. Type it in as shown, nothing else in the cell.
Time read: 9:08:33
